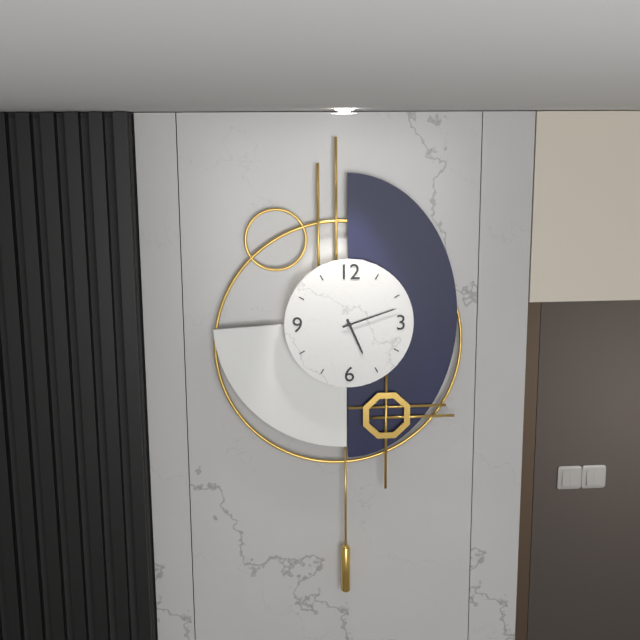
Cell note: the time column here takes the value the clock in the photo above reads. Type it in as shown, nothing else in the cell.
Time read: 5:12
